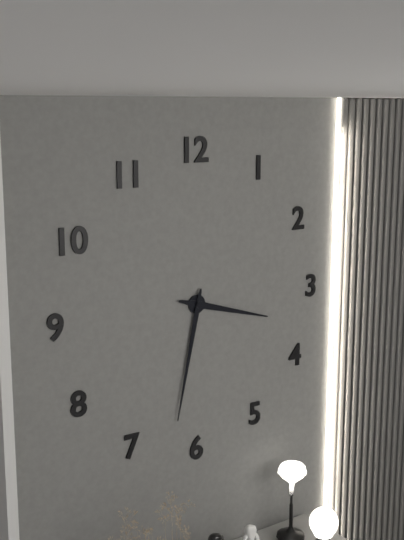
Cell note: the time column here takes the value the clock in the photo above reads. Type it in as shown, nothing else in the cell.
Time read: 3:32
